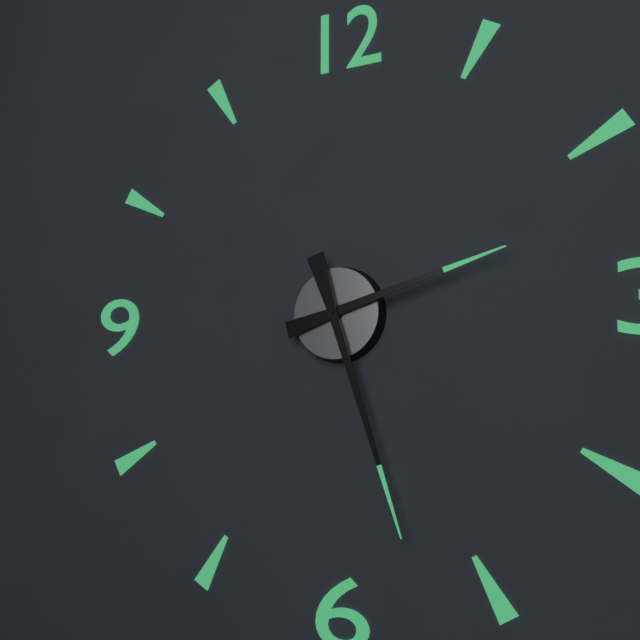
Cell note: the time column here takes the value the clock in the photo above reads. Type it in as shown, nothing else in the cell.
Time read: 2:27
